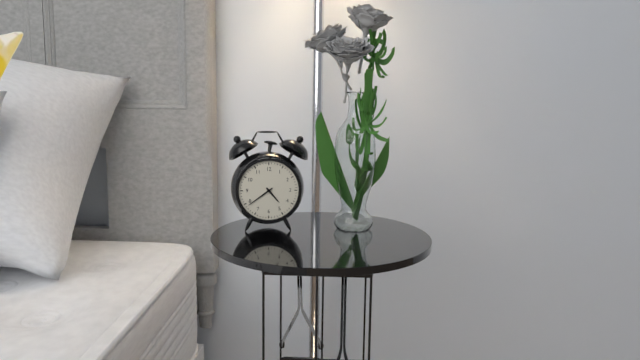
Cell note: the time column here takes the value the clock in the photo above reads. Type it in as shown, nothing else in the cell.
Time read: 4:39
